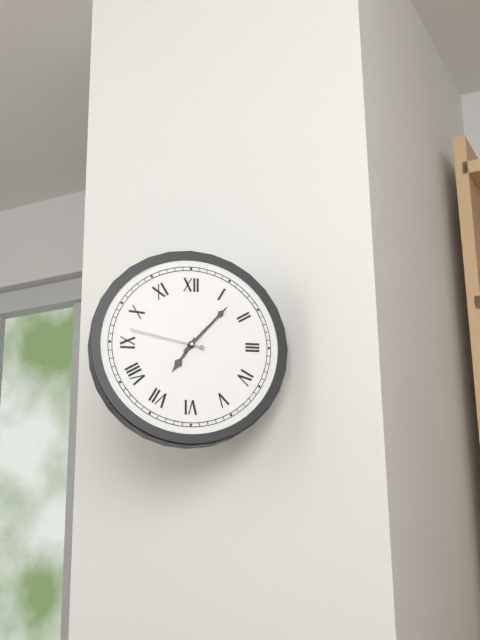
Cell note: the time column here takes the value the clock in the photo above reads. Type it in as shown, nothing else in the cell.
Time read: 7:07:47
